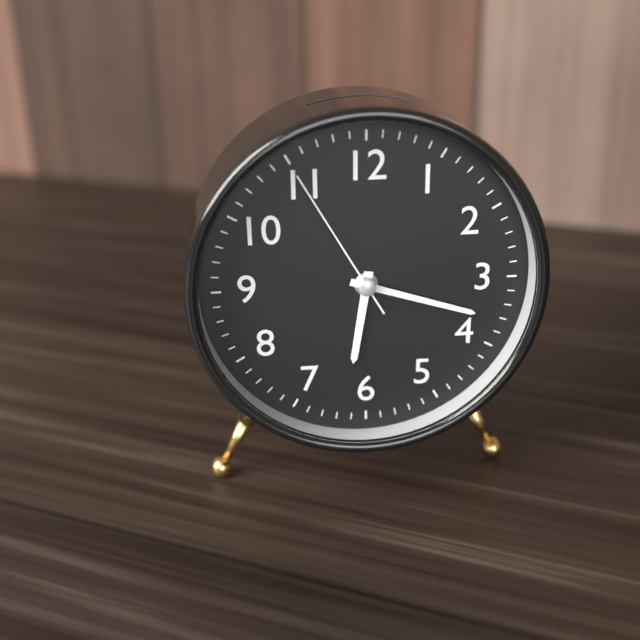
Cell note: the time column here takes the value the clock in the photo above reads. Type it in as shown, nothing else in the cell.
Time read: 6:18:55
